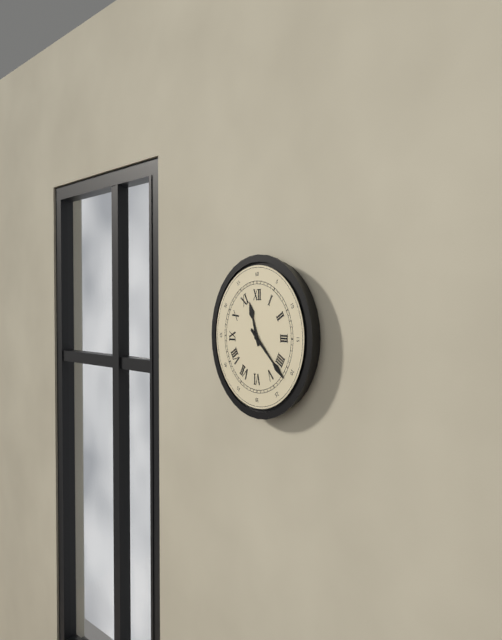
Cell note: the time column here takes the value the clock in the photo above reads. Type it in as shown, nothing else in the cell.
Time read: 11:22
